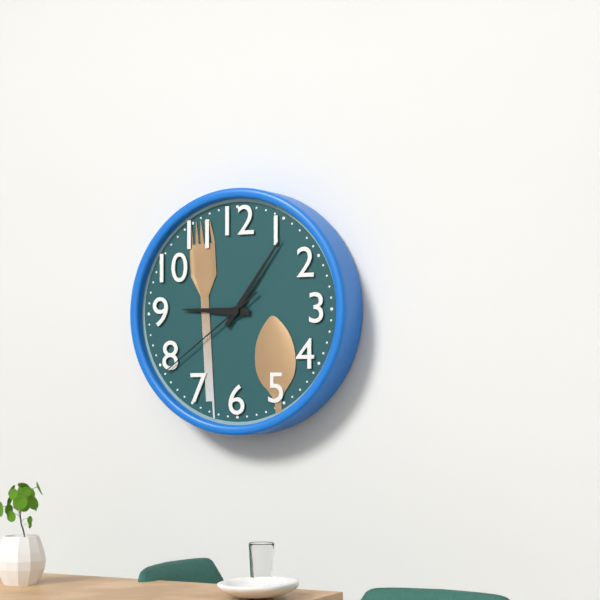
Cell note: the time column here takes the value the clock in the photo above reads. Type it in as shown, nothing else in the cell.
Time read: 9:06:39
